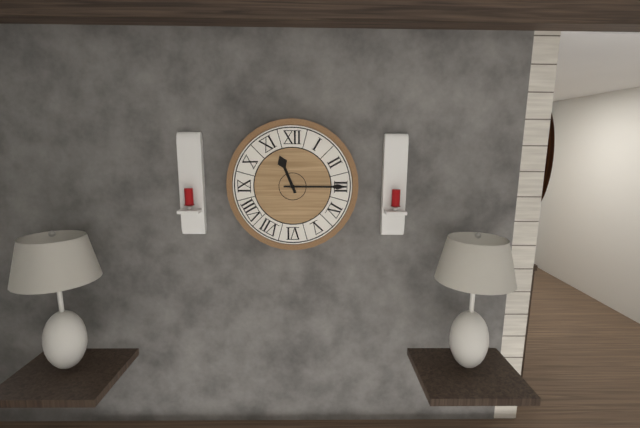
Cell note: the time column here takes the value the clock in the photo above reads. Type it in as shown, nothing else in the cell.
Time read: 11:15
